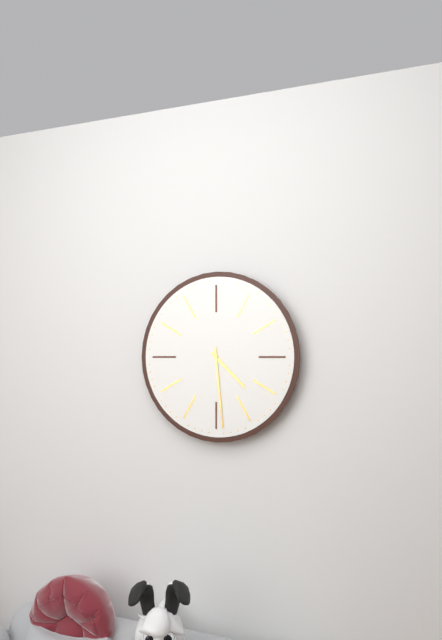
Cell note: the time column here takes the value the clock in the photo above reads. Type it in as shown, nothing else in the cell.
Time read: 4:29
